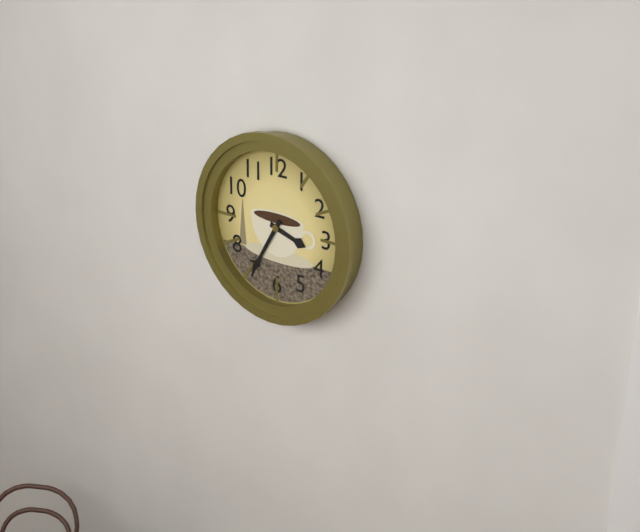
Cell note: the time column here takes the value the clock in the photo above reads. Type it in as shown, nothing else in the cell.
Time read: 3:35
